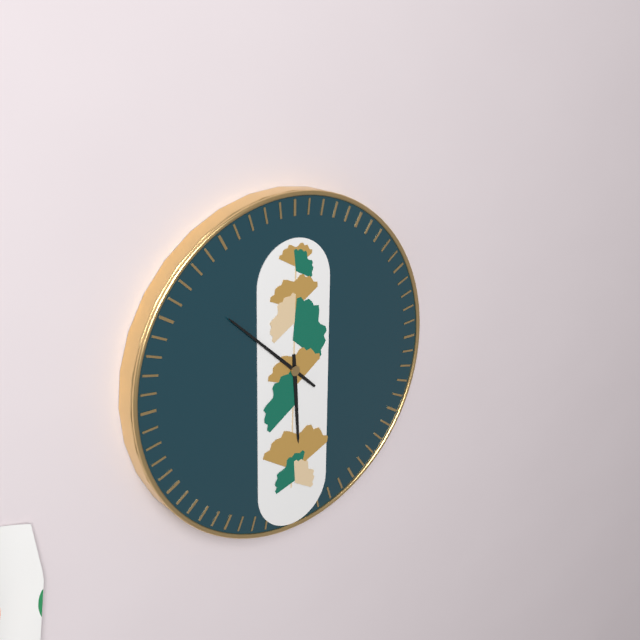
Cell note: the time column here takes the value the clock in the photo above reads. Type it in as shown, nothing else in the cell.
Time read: 5:52
